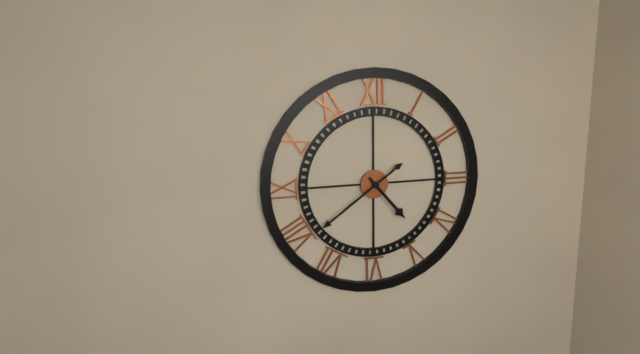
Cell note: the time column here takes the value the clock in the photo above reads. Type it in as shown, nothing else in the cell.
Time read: 4:39
